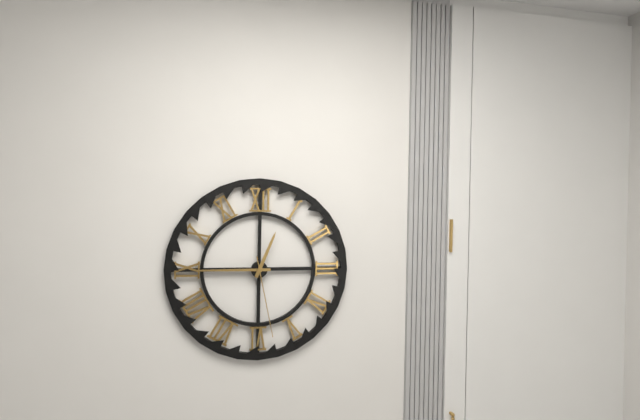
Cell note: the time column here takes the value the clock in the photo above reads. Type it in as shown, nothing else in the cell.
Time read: 12:45:28
